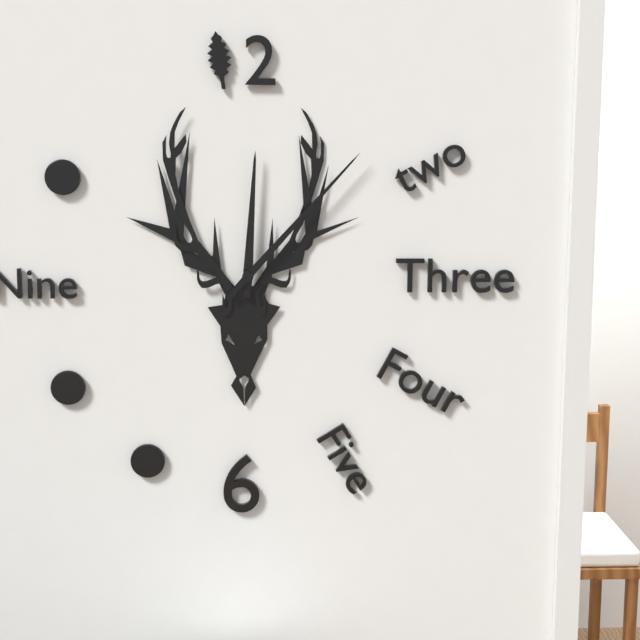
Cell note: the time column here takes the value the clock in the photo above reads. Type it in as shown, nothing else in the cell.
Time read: 12:07
